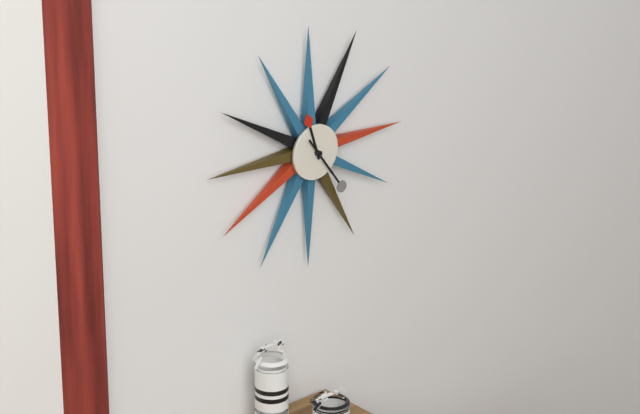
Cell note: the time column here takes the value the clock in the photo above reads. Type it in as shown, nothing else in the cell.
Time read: 11:24
